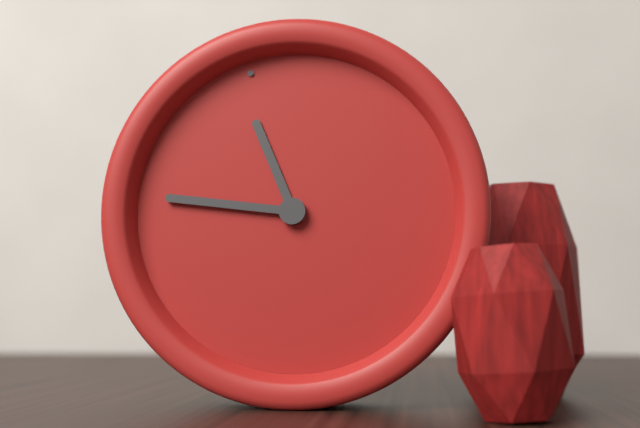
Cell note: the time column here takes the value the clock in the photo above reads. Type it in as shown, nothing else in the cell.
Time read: 11:49
